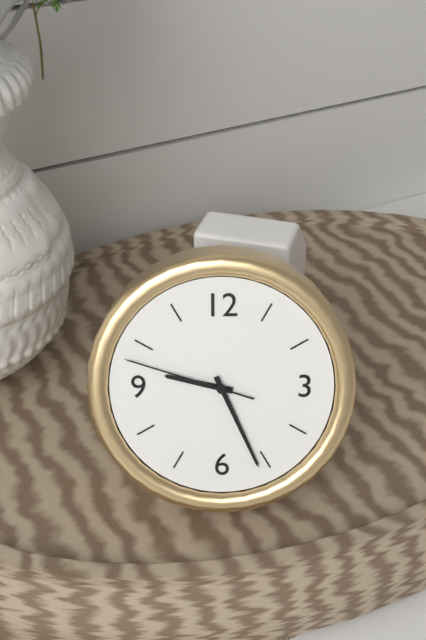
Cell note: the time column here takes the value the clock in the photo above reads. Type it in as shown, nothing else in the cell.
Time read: 9:26:48
